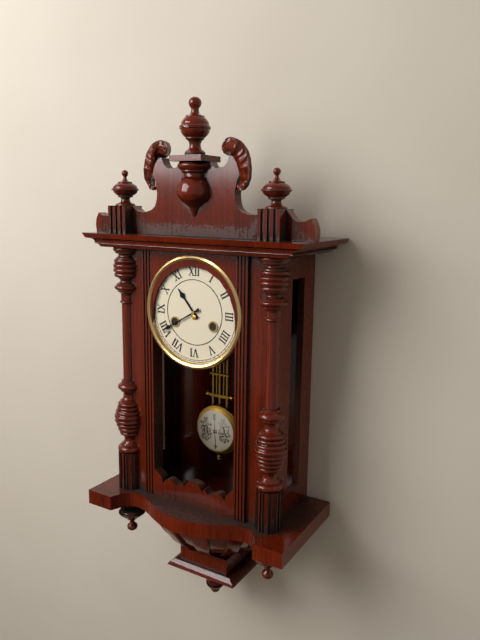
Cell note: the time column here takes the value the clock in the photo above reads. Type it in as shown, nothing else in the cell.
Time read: 10:40
